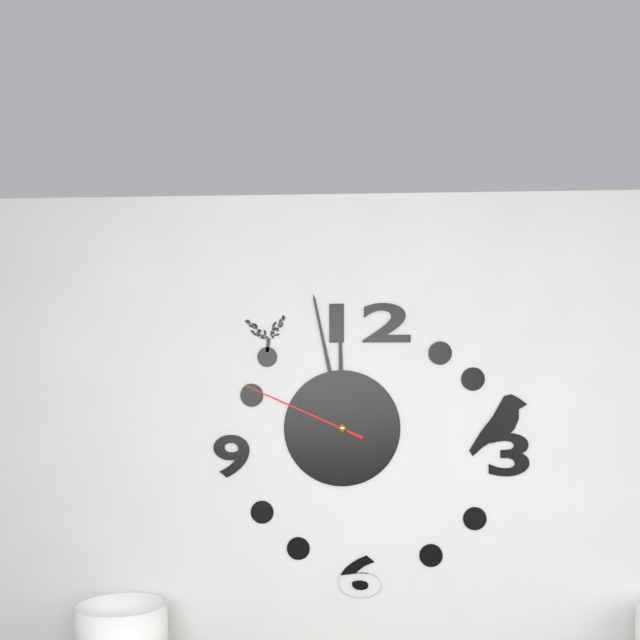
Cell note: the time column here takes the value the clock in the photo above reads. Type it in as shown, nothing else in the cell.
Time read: 11:58:49
